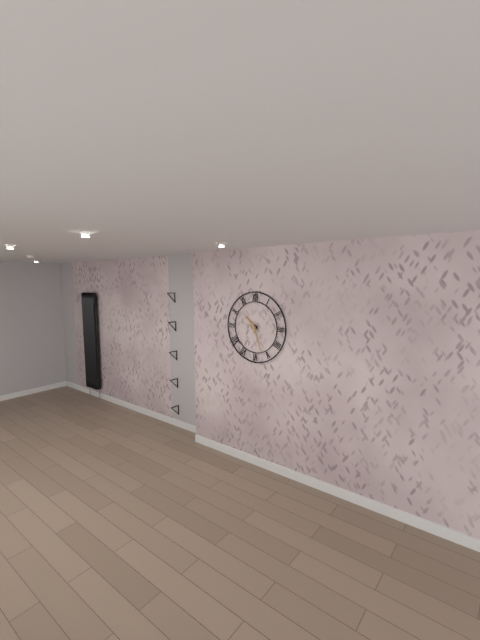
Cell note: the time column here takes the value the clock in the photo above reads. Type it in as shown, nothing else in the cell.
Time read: 10:27
